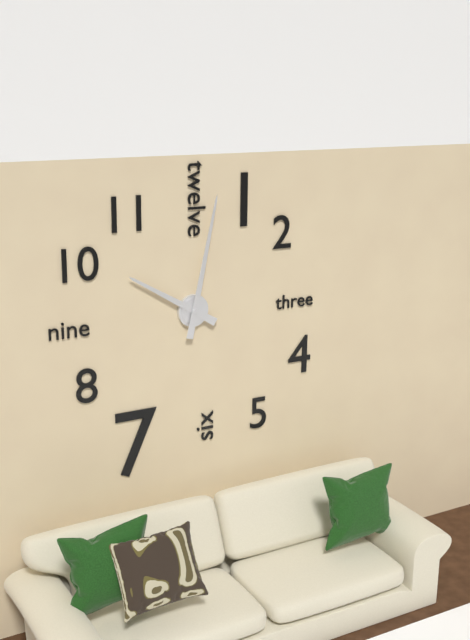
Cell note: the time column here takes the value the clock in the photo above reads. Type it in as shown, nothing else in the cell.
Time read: 10:02
